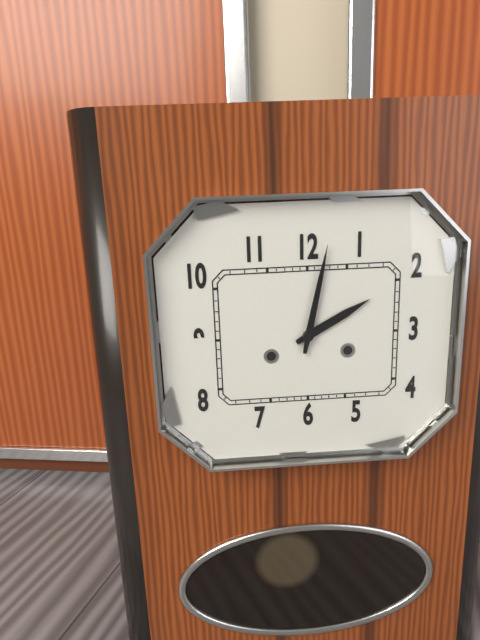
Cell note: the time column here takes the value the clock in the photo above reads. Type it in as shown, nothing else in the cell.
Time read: 2:02
